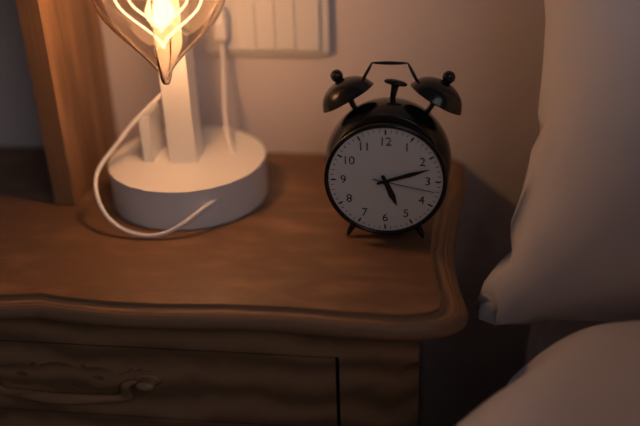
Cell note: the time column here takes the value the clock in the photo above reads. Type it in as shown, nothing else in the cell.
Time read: 5:12:17
